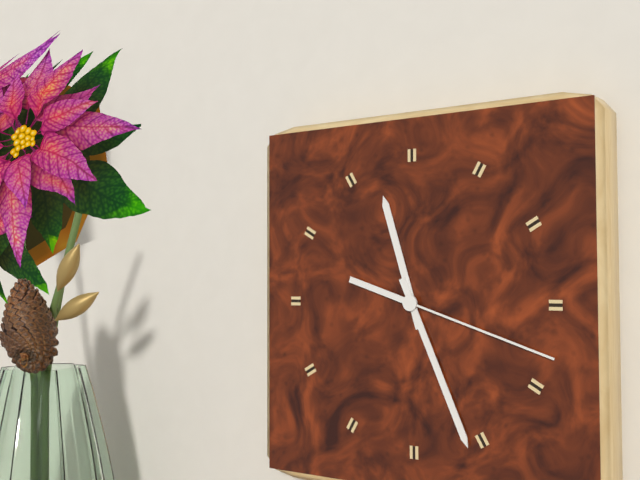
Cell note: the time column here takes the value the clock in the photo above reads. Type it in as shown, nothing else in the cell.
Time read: 11:26:18
